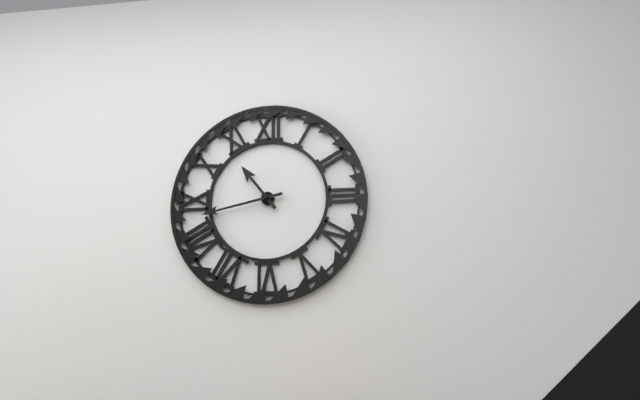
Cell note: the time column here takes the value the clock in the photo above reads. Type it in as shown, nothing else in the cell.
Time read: 10:43
